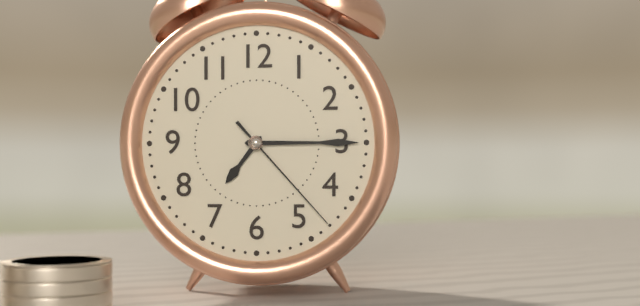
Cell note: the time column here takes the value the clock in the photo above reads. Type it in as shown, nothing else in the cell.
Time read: 7:15:23
